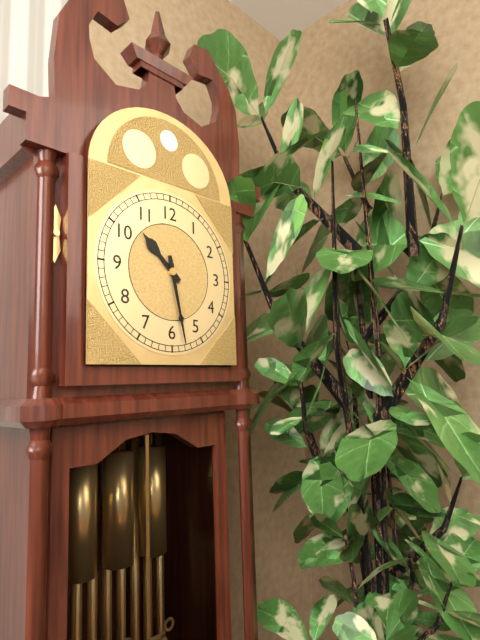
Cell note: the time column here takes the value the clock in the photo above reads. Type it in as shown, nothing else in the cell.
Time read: 10:28
